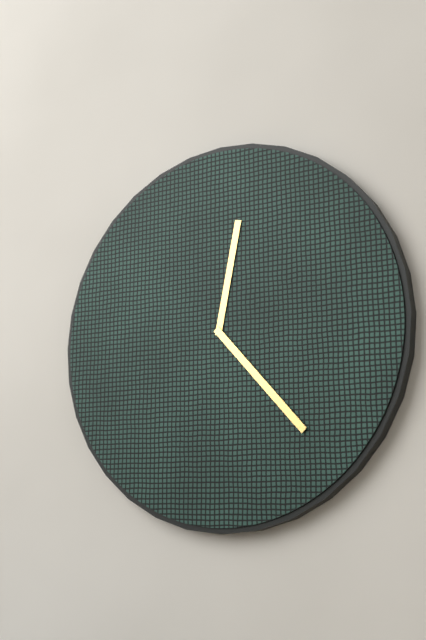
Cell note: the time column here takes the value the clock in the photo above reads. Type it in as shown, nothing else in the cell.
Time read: 12:23
